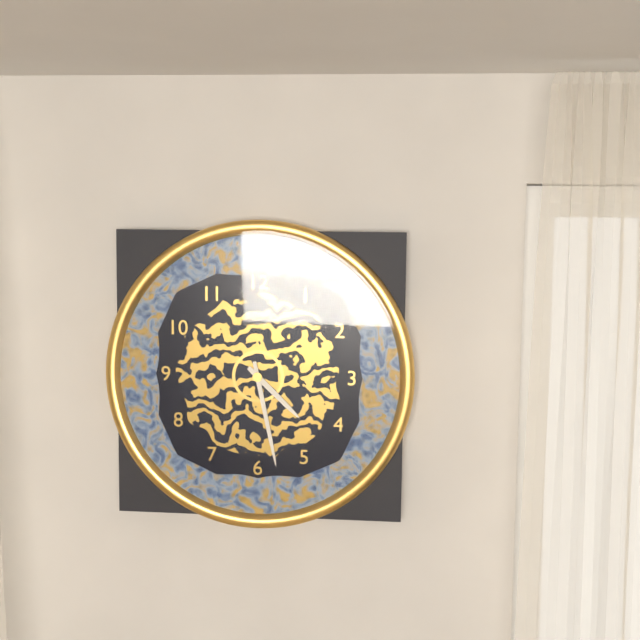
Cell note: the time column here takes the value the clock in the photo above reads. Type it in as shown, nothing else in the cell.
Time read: 4:28
